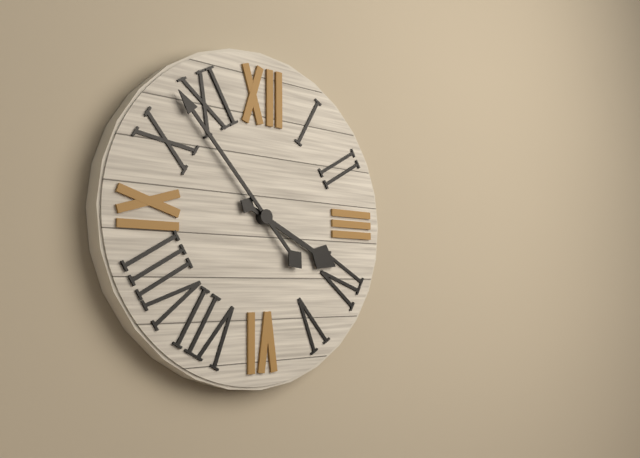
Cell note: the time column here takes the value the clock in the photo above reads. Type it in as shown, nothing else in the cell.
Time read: 3:53
